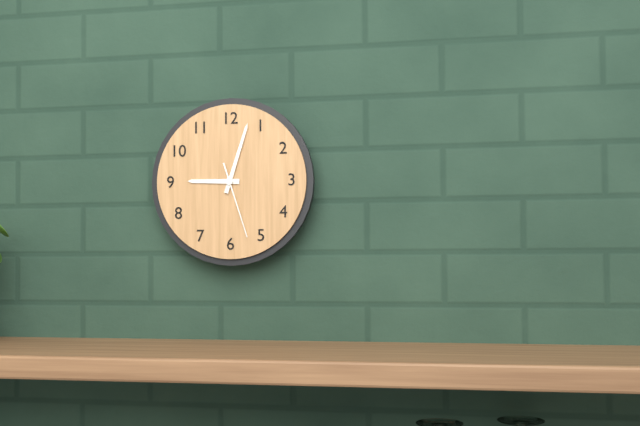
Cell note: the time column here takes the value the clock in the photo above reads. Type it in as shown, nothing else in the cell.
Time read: 9:03:27
